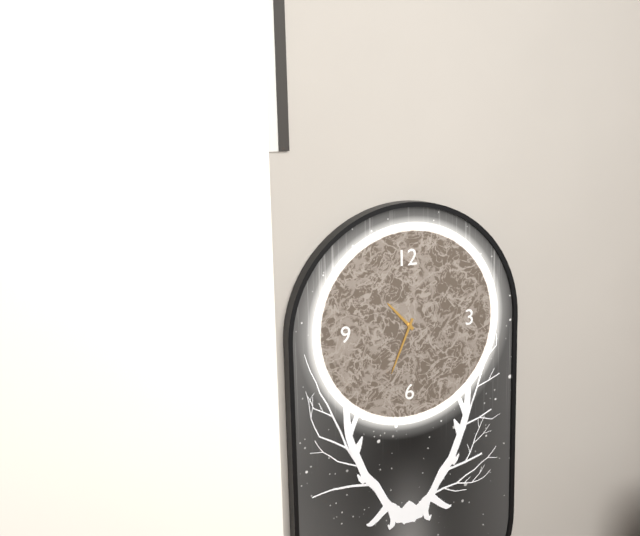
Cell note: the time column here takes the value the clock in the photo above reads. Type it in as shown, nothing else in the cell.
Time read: 10:34
